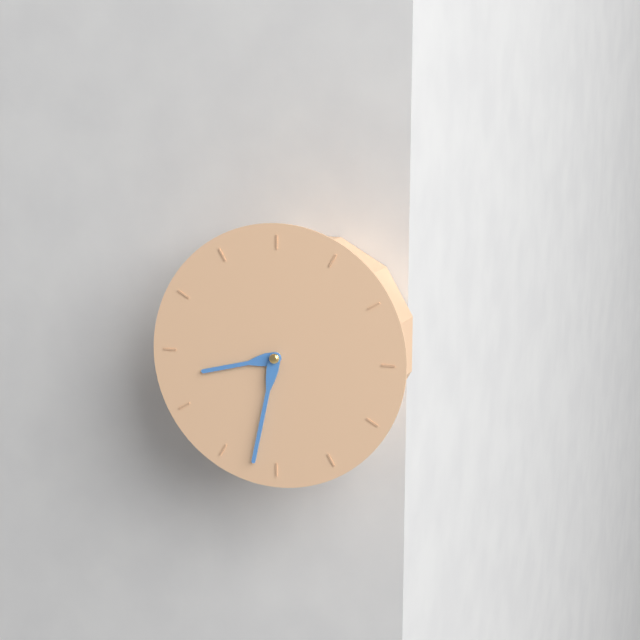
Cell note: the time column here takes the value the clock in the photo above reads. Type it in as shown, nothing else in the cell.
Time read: 8:32
